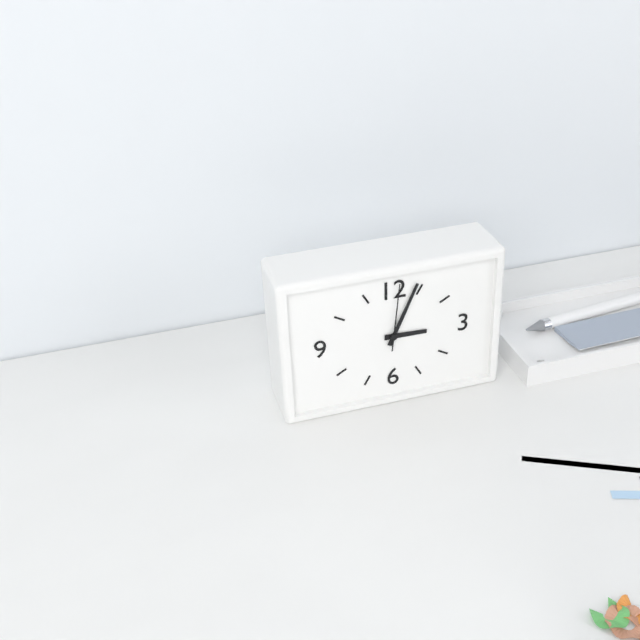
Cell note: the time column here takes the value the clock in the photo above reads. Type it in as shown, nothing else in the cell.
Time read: 3:04:01
